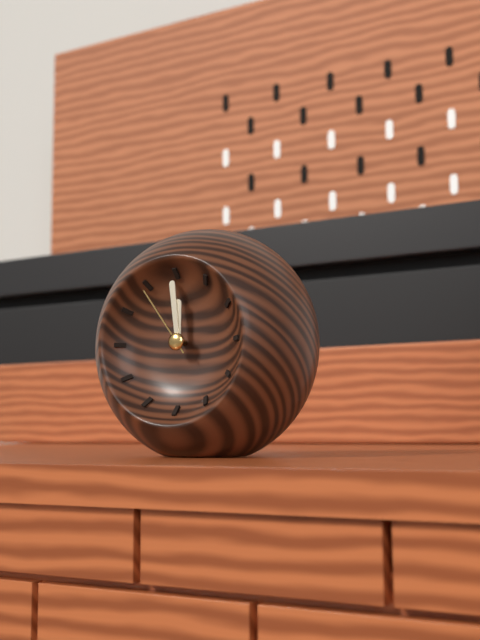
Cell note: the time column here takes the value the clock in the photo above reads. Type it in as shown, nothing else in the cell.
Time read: 11:59:54
